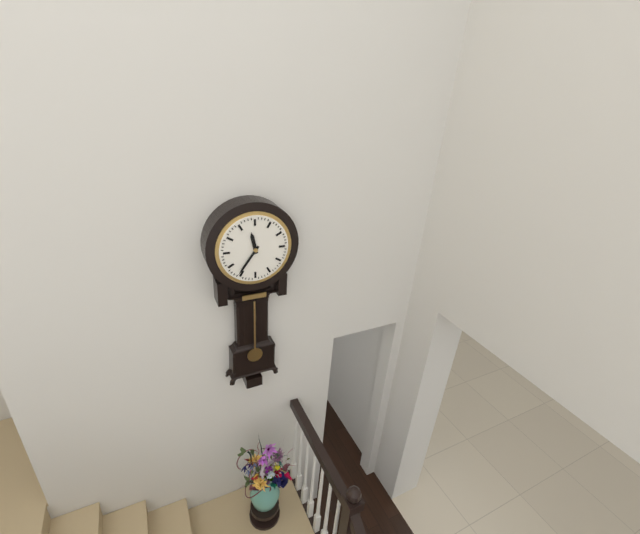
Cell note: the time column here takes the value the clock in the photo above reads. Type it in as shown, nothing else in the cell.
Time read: 11:36
